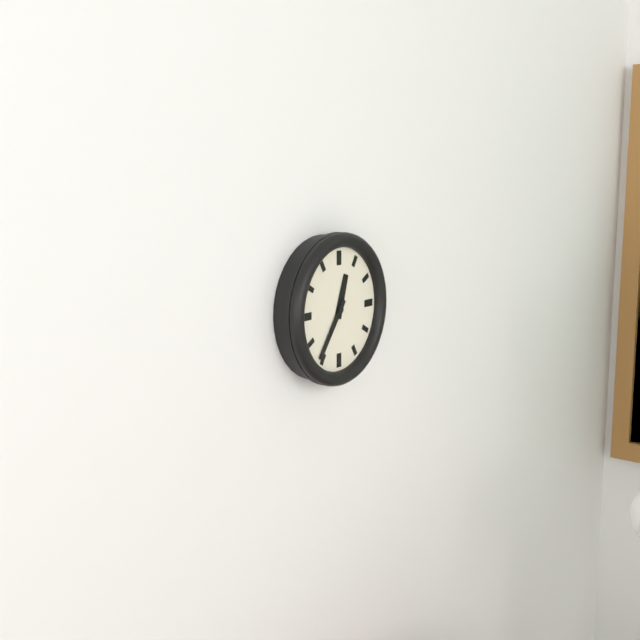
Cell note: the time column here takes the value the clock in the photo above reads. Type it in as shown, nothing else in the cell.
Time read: 12:36
